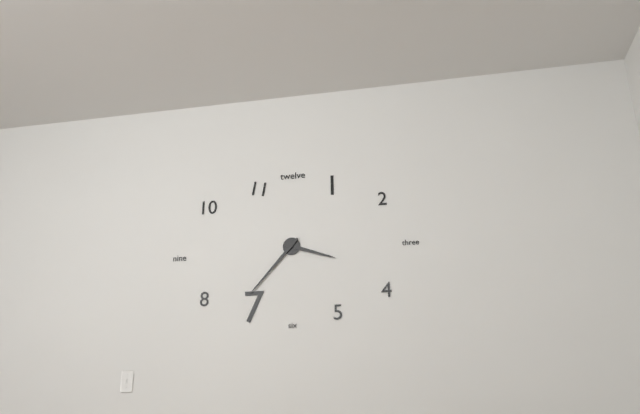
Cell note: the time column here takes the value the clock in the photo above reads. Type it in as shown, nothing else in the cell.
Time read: 3:37
